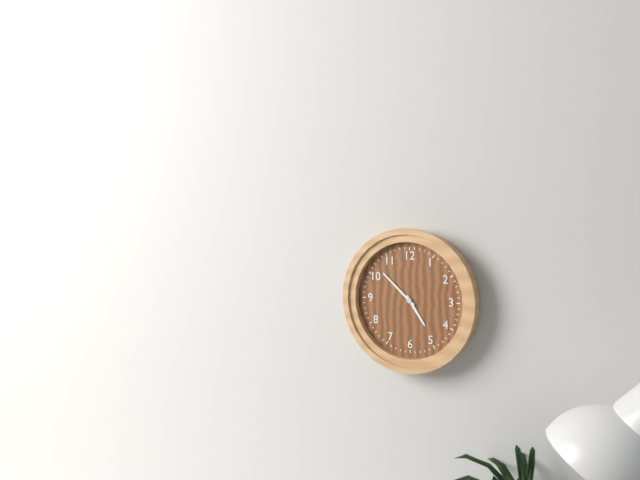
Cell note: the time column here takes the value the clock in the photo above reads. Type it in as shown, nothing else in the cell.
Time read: 4:52
